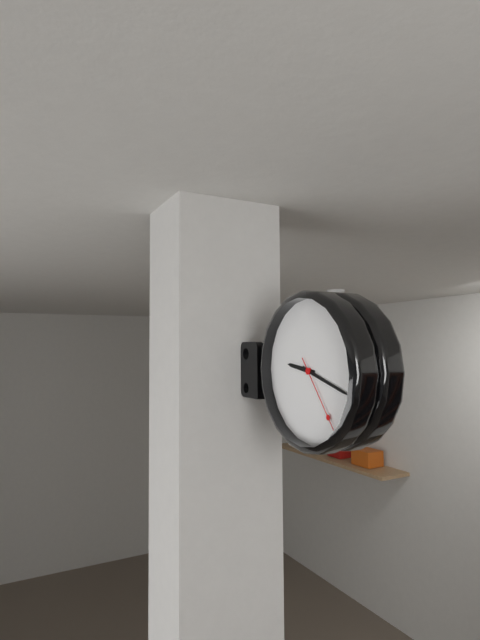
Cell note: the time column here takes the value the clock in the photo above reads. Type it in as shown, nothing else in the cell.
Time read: 9:18:24
